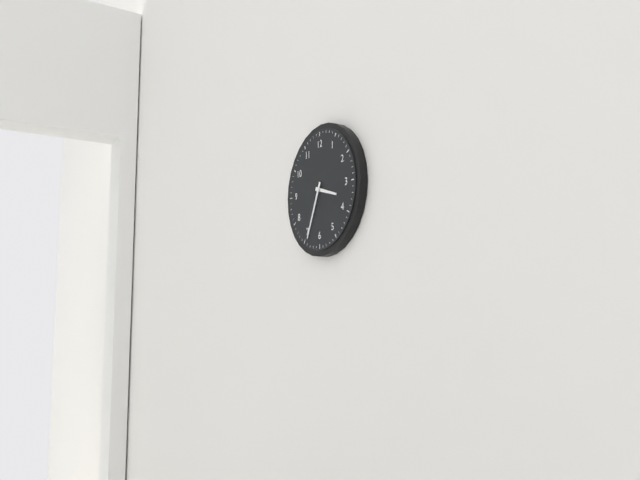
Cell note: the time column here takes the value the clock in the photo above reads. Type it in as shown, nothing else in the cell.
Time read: 3:34
